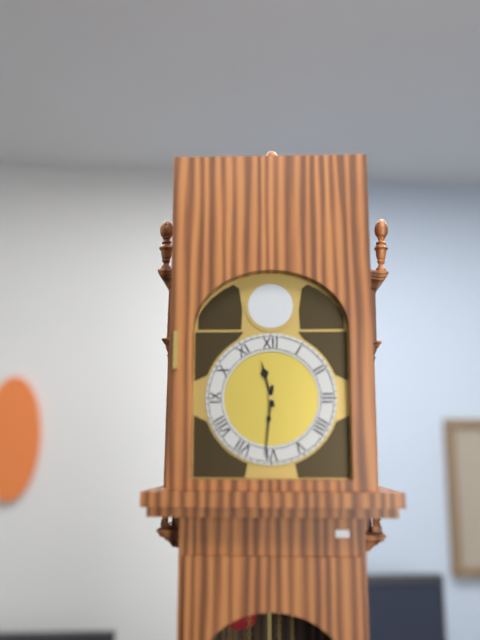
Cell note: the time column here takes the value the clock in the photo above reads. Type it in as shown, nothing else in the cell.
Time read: 11:31
